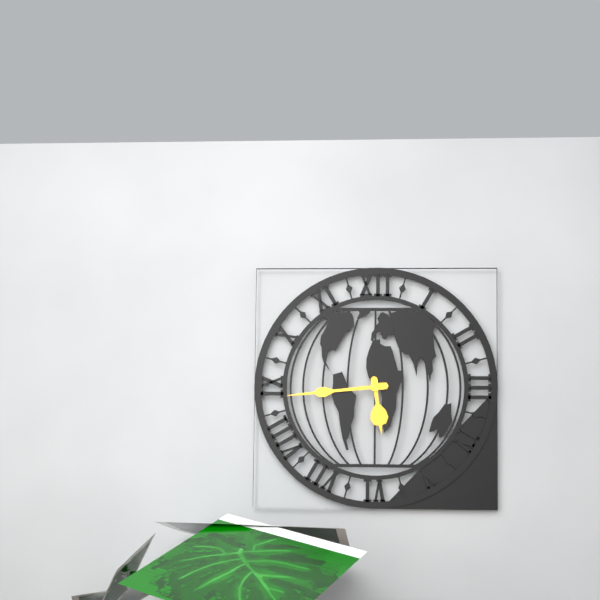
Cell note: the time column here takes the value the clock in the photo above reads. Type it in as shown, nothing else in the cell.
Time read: 5:44
